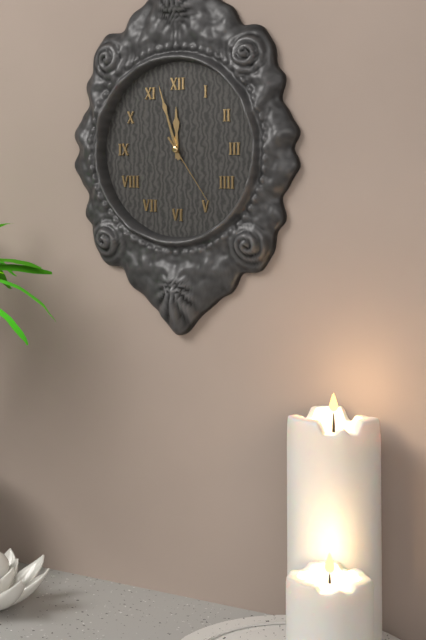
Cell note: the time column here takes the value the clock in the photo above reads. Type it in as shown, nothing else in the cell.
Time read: 11:57:24
